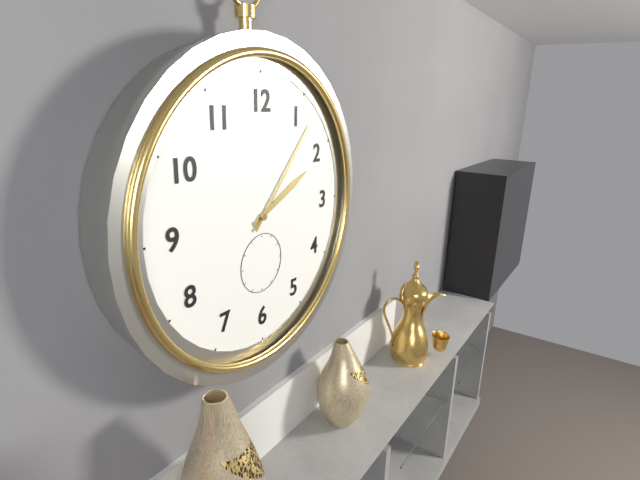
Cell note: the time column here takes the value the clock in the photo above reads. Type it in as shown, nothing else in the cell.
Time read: 2:07
